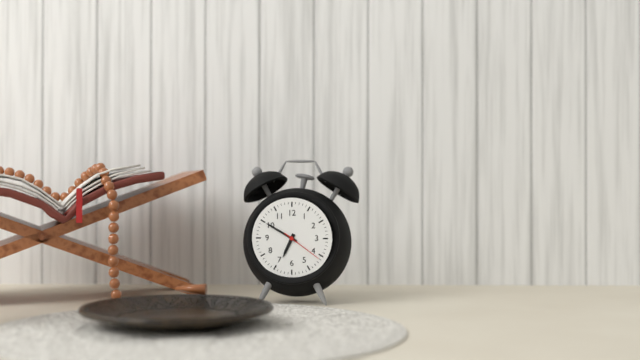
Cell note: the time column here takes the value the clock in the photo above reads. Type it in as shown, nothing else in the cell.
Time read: 6:50
